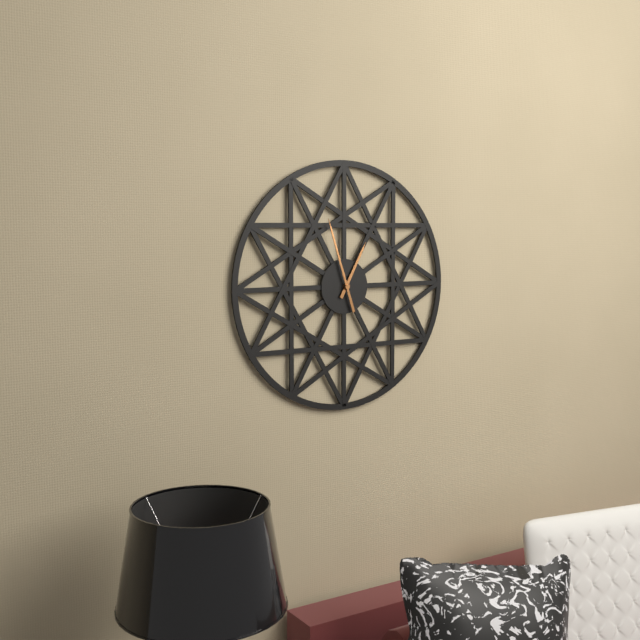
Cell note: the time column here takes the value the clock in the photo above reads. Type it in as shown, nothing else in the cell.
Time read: 12:57
